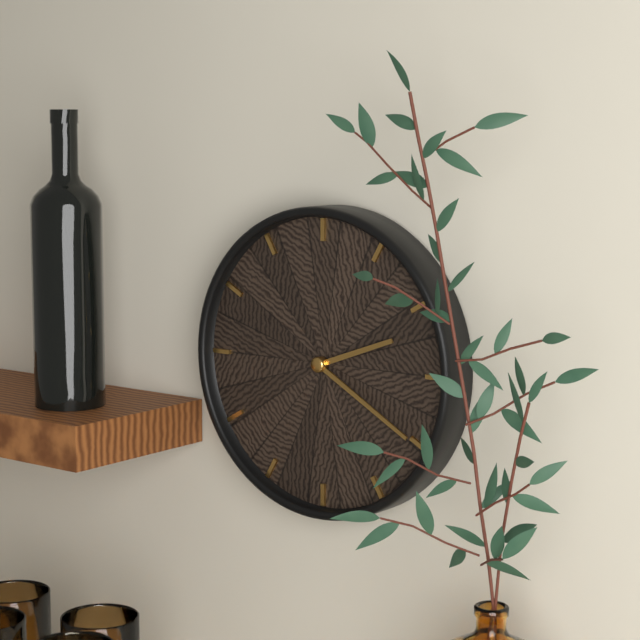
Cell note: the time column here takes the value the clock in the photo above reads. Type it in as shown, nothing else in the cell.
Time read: 2:20
